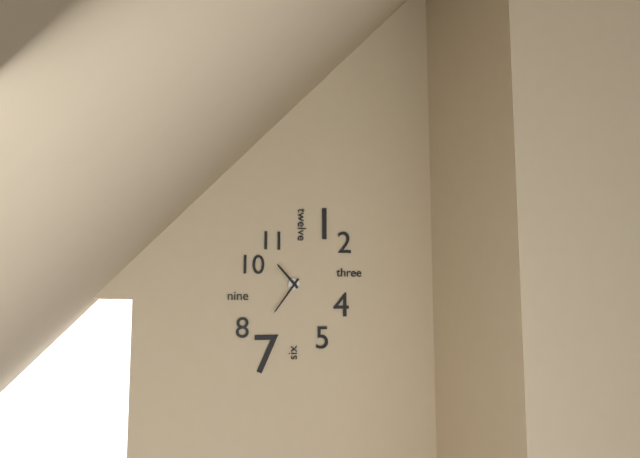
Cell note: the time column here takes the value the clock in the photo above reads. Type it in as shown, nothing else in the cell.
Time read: 10:36
